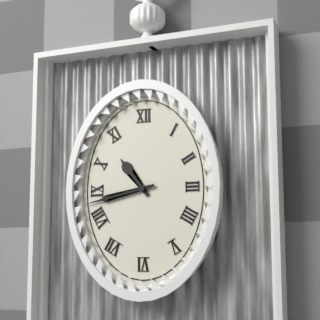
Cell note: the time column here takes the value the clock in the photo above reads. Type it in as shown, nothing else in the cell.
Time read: 10:43
